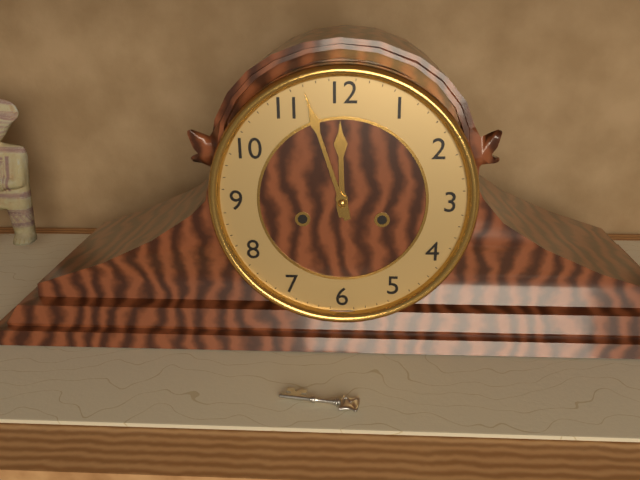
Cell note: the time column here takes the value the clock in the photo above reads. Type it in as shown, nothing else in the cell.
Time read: 11:57
